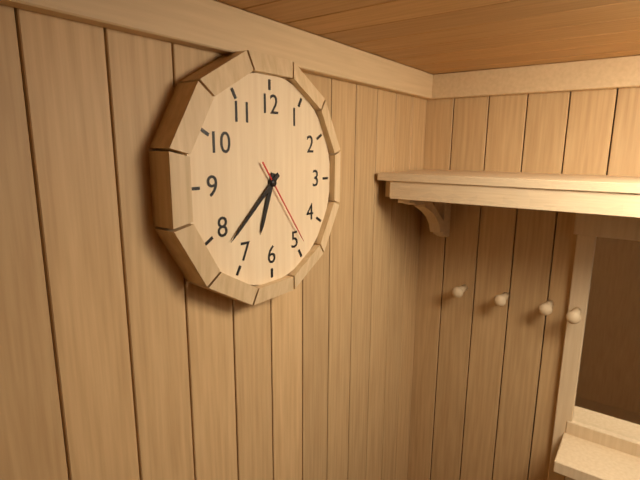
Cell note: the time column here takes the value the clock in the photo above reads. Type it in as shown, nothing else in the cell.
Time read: 6:38:24
